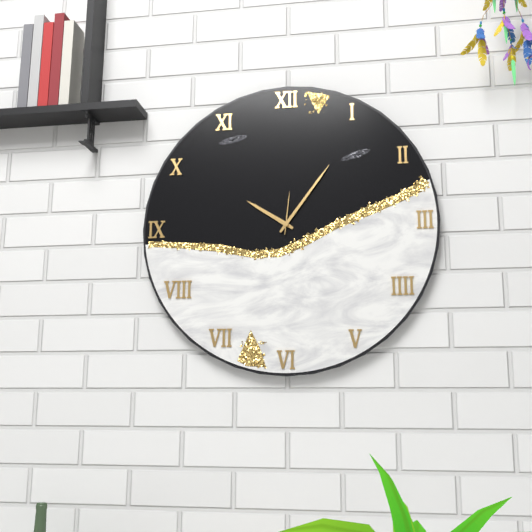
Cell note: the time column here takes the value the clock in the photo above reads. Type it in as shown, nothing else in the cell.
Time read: 10:06
